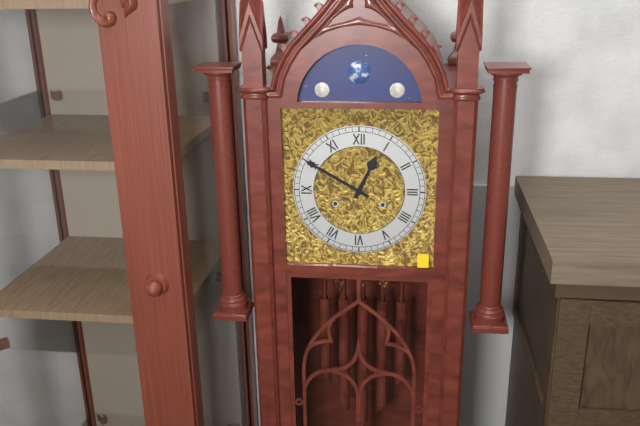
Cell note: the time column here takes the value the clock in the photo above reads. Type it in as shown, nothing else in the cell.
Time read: 12:50
